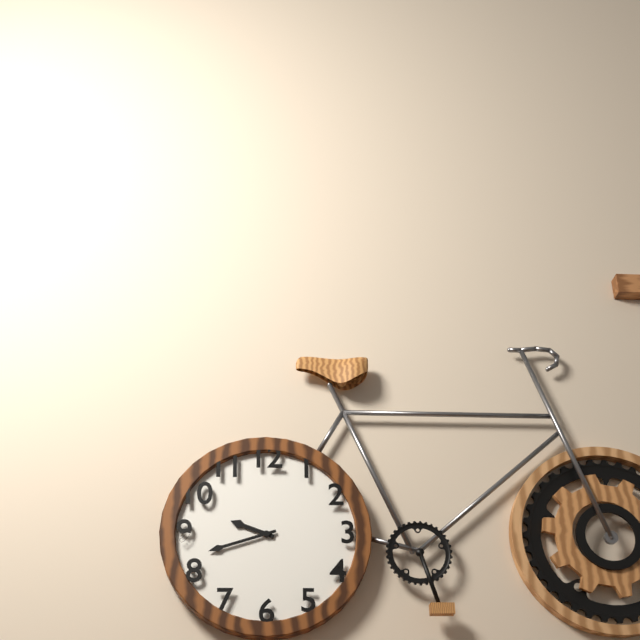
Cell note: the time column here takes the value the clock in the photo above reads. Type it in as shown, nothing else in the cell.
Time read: 9:42
